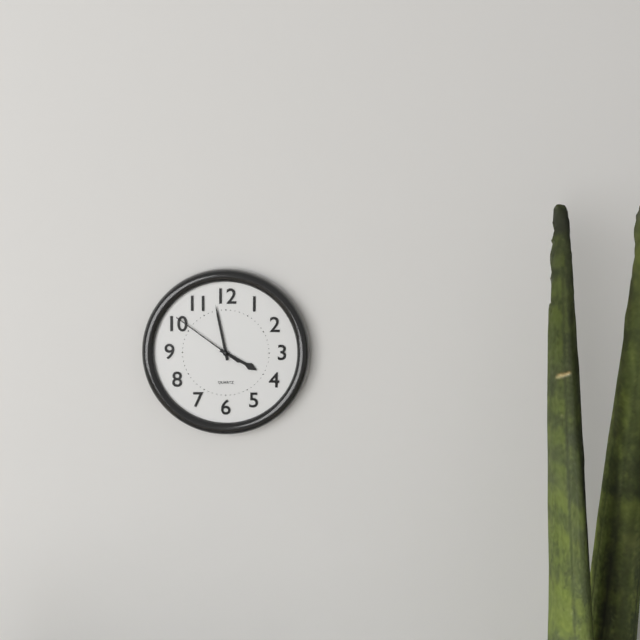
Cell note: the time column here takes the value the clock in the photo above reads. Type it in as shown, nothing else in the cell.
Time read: 3:58:51
